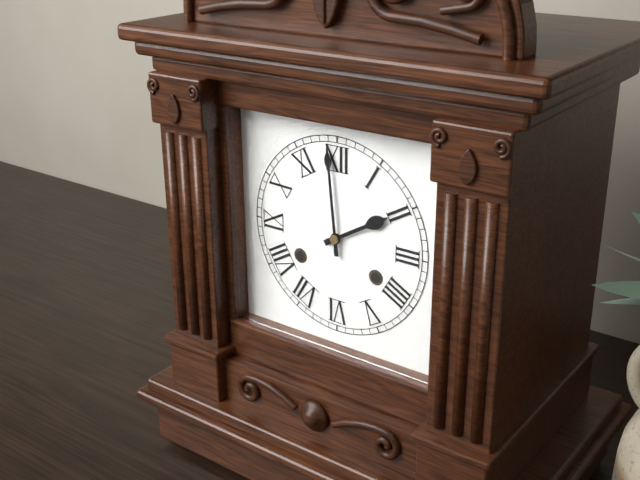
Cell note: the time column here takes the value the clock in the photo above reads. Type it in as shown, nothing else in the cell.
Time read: 1:59
